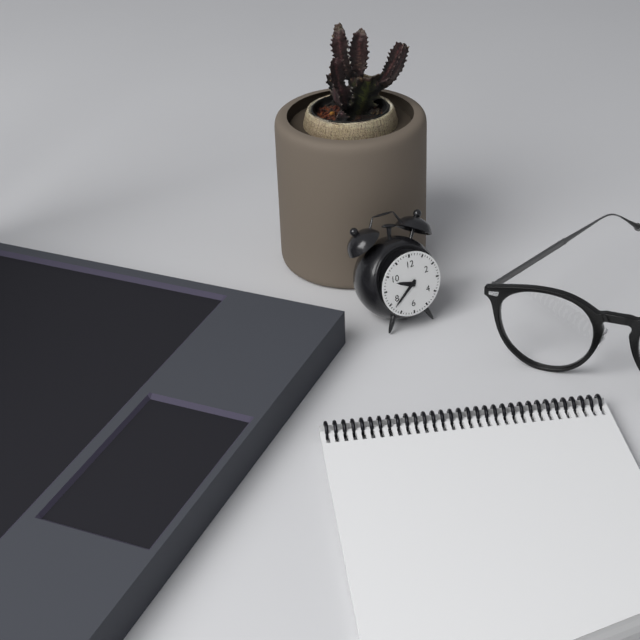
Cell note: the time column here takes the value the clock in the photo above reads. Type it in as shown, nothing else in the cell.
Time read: 9:38
